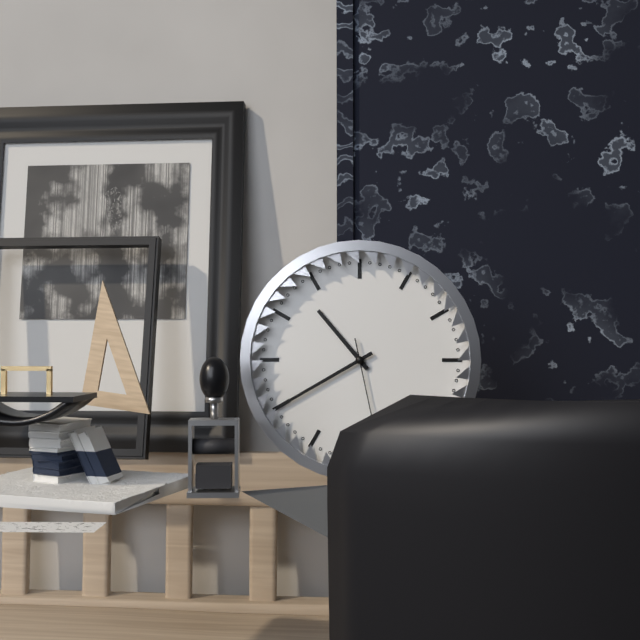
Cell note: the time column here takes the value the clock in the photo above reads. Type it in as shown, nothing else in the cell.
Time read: 10:40
